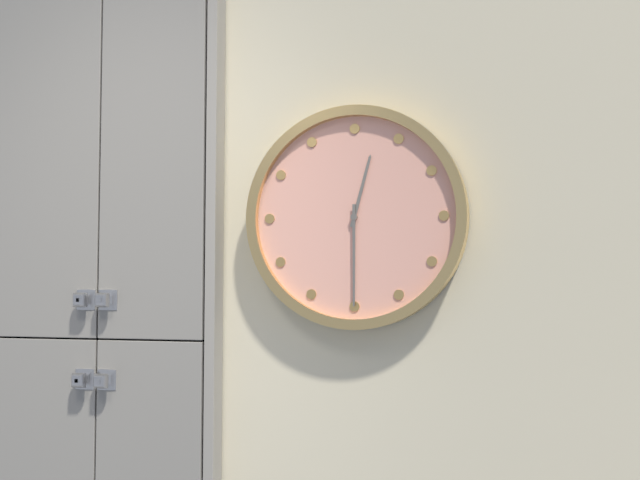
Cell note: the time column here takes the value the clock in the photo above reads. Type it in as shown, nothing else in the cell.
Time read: 12:30
